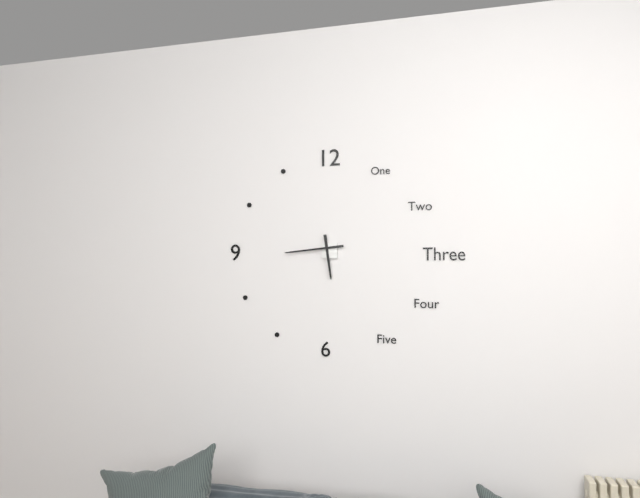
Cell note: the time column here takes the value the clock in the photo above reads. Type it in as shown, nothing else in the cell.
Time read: 5:44
